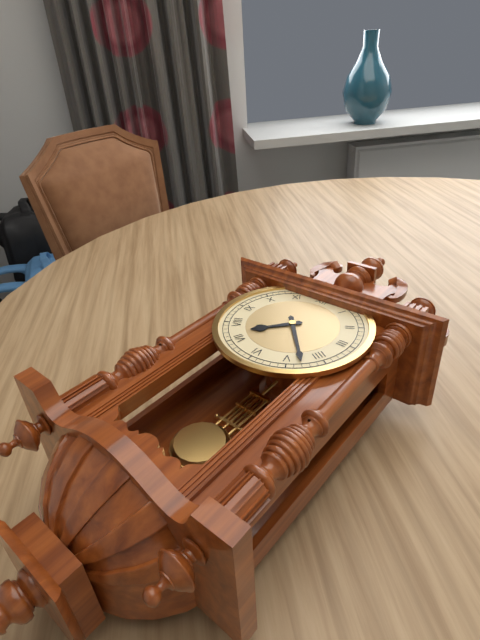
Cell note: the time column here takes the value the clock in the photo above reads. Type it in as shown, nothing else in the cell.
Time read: 7:23
